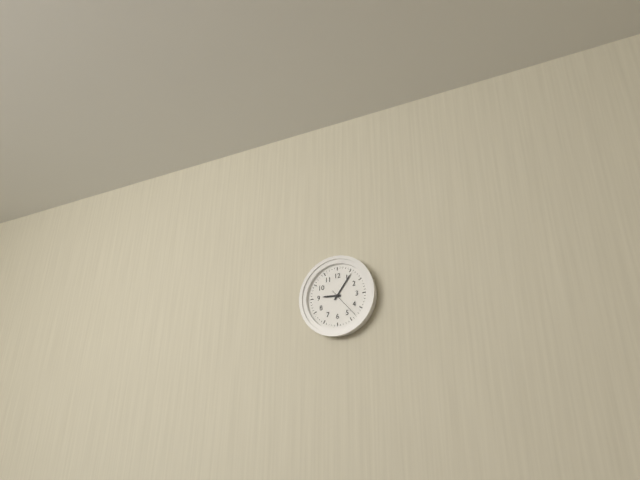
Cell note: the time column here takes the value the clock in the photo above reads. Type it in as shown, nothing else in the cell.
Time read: 9:06
